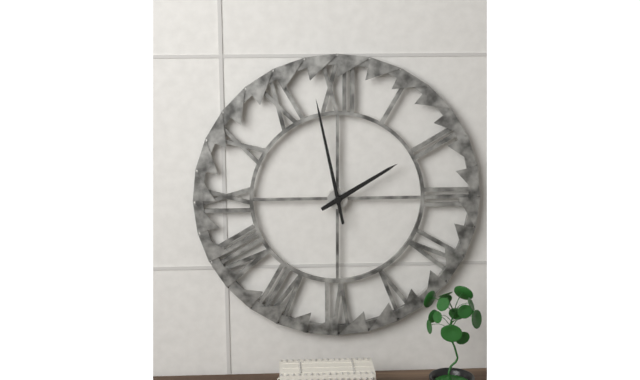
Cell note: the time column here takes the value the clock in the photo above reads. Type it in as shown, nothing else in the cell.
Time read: 1:58
